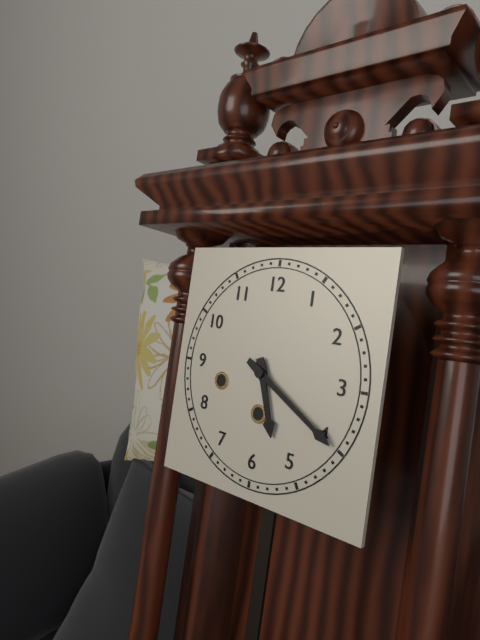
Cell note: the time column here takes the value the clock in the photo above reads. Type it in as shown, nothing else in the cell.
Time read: 5:20
